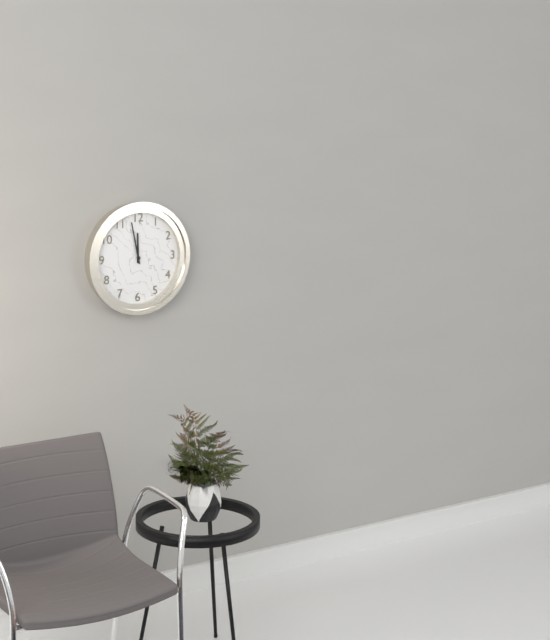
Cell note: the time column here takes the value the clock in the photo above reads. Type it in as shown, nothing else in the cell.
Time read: 11:58
